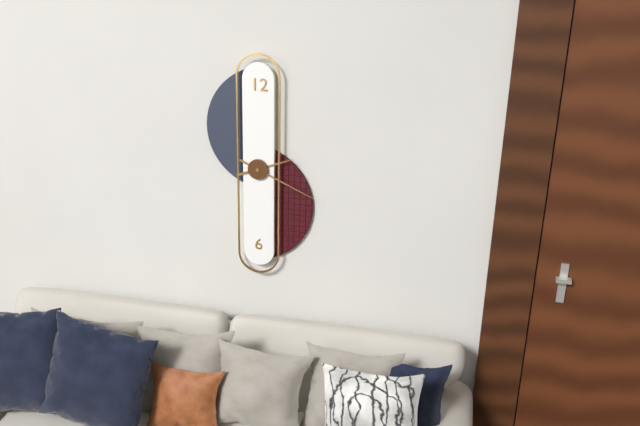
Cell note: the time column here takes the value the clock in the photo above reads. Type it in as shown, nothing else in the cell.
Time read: 2:19
